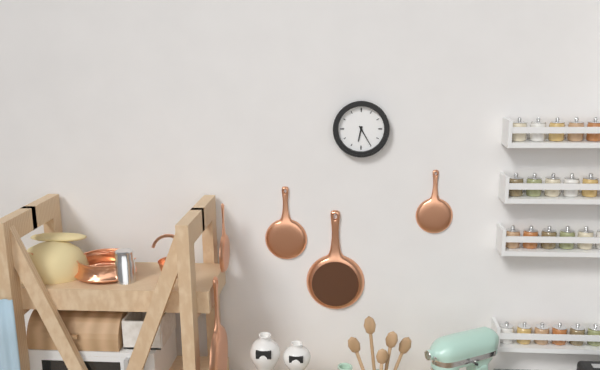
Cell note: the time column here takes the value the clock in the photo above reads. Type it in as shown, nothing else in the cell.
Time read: 6:25
